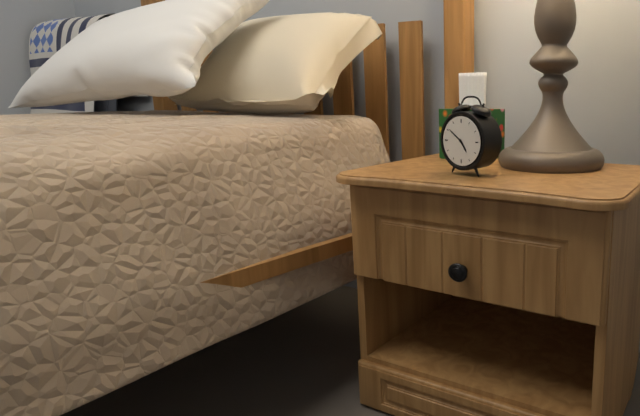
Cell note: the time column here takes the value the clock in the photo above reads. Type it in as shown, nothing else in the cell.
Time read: 4:51
